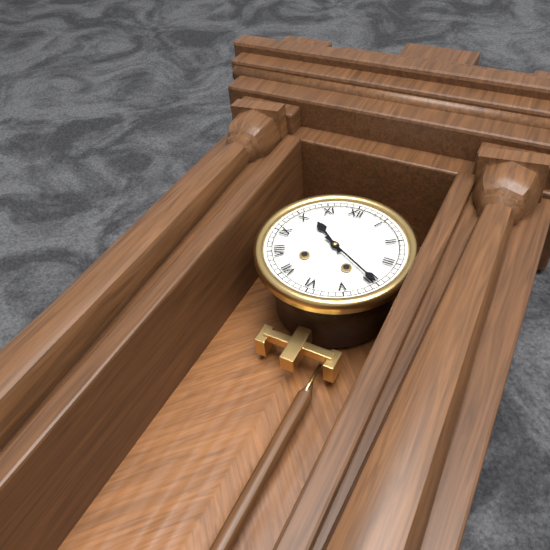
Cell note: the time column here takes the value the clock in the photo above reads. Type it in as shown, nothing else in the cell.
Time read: 10:20
